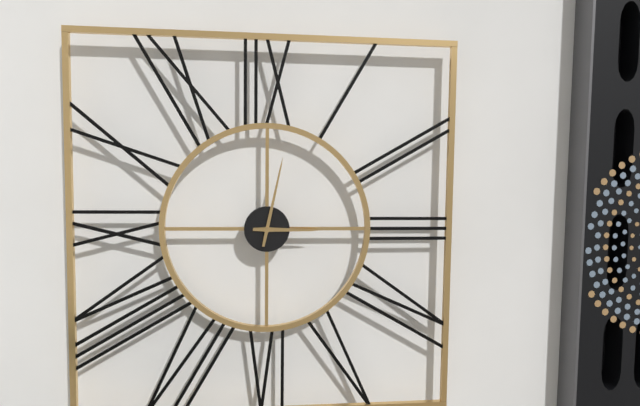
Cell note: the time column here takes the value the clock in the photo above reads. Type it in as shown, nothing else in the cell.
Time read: 3:02
